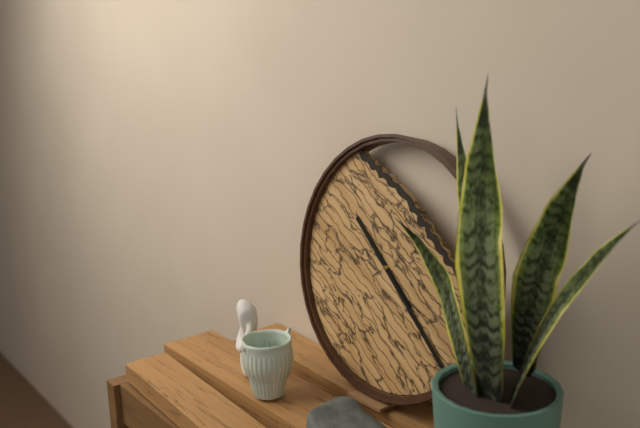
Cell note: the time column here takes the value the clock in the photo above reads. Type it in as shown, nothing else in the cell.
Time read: 10:22
